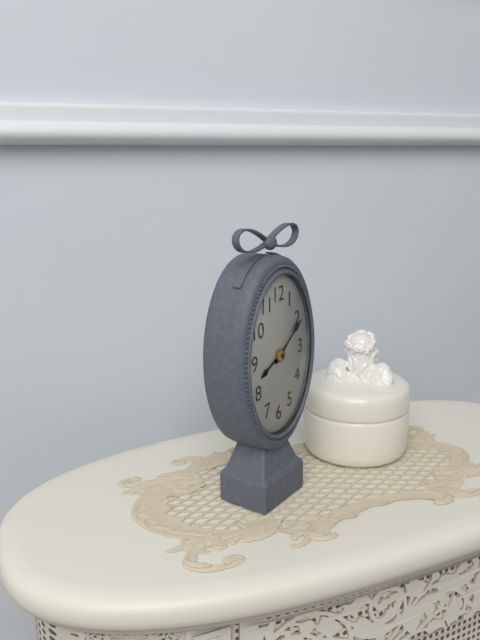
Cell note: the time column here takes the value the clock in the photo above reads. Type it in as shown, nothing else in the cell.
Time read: 8:09
